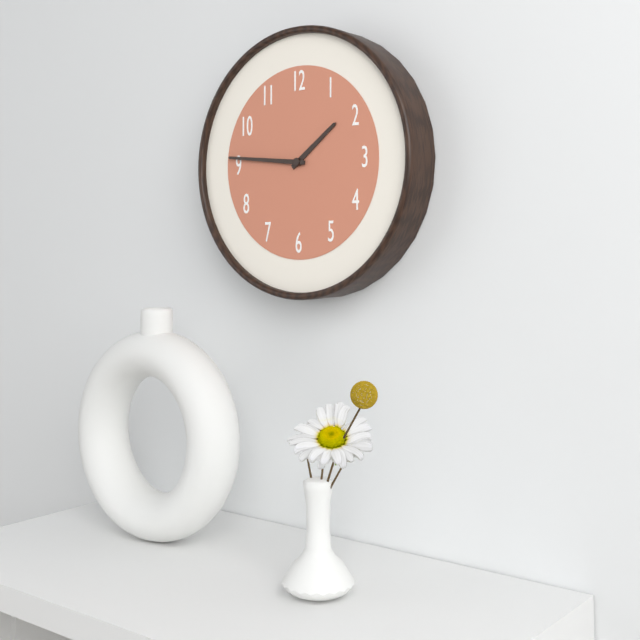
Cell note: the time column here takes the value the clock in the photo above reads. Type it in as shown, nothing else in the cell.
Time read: 1:46
